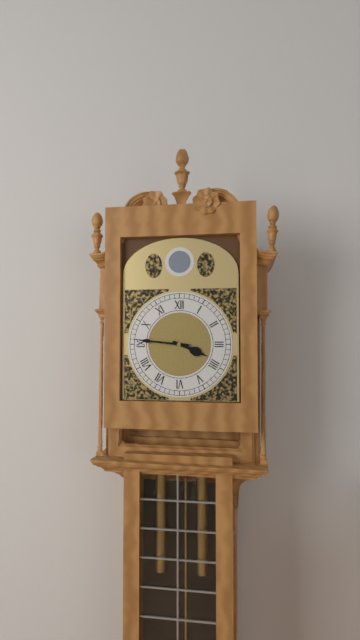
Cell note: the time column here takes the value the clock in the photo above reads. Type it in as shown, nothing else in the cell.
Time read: 3:46
